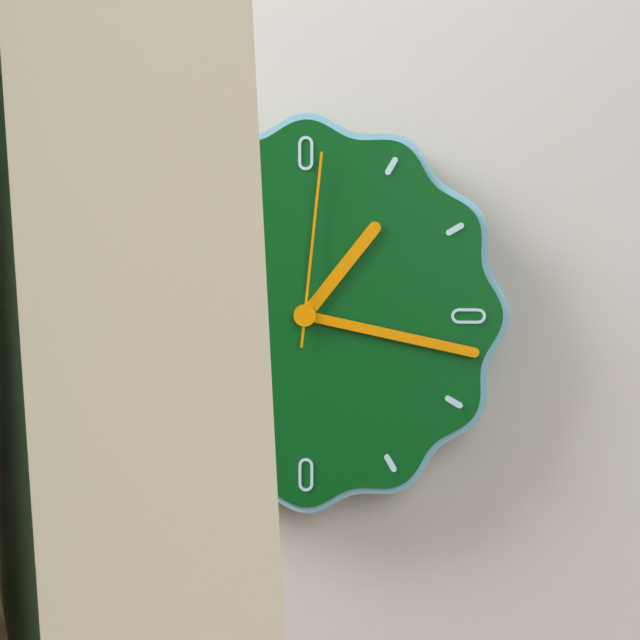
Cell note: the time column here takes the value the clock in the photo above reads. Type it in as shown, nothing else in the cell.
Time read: 1:17:01
